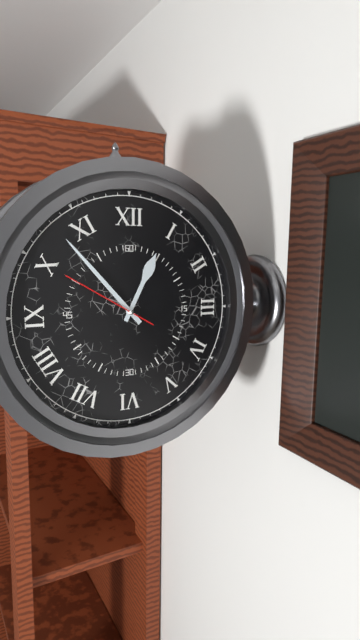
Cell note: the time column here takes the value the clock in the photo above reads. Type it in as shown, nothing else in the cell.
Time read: 12:53:50
